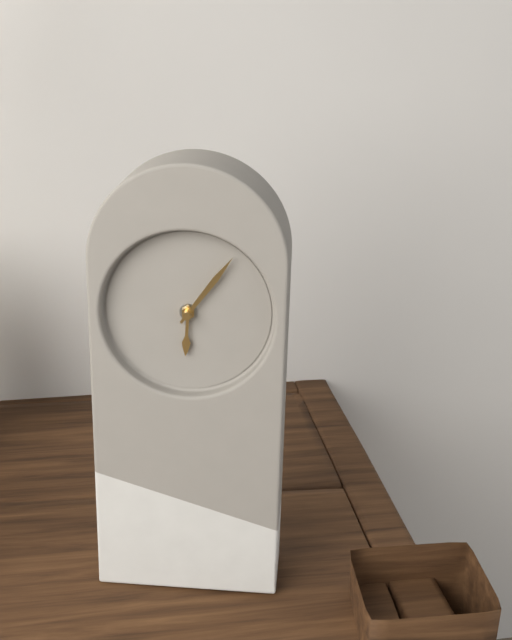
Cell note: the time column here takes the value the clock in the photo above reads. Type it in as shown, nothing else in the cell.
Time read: 6:06
